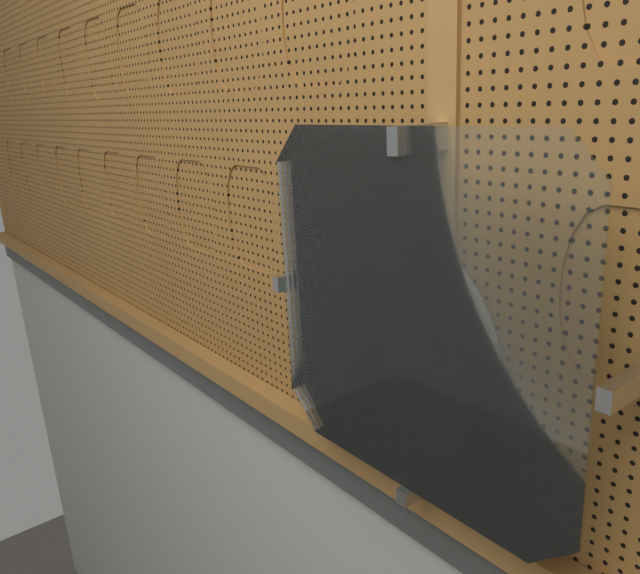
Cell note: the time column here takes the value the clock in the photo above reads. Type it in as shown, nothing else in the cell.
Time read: 1:02
